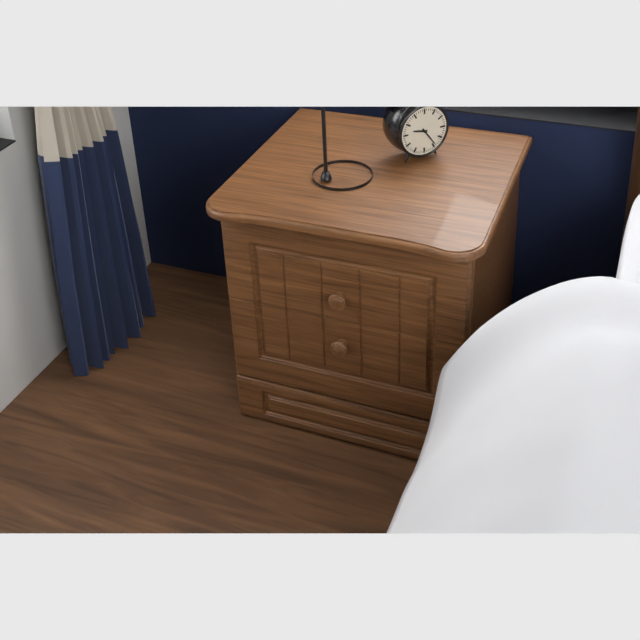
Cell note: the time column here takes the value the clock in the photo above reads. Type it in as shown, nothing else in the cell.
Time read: 9:24
